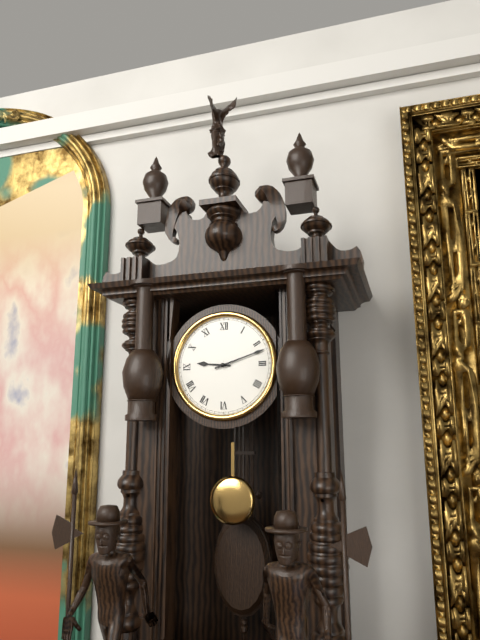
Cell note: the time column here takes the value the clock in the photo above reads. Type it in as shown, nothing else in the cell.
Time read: 9:12
